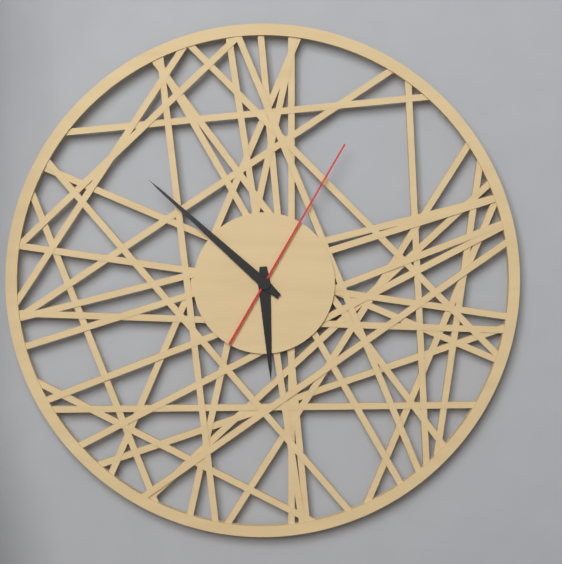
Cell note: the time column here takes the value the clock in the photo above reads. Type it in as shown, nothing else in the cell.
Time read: 5:52:05
